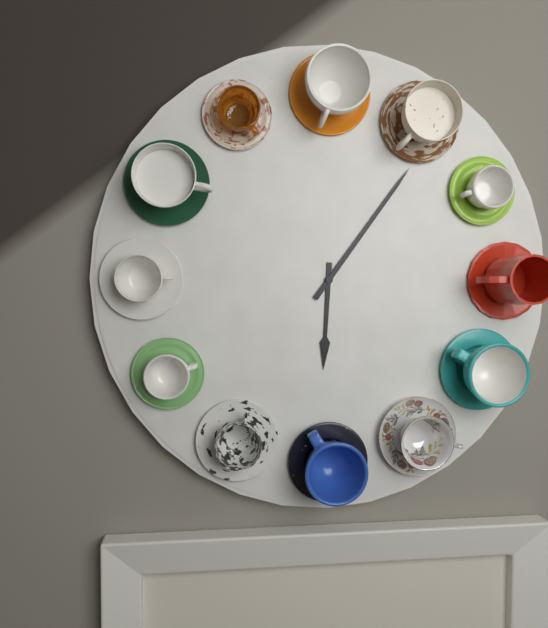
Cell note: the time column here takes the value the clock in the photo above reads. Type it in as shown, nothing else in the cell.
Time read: 6:06
